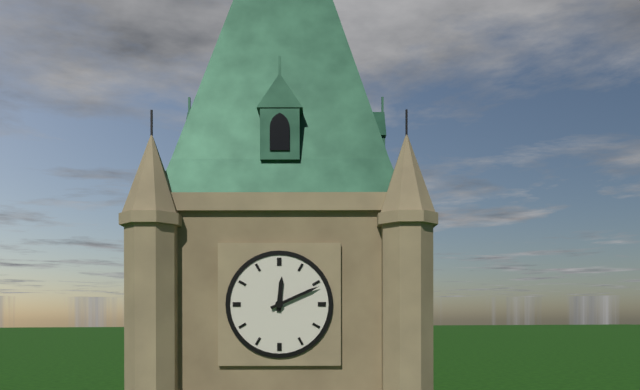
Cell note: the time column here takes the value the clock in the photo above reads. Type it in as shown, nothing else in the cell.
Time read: 12:11
